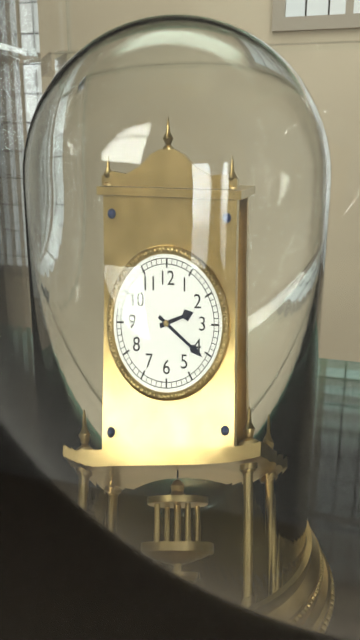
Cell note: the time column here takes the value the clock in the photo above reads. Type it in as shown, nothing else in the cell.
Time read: 2:21
